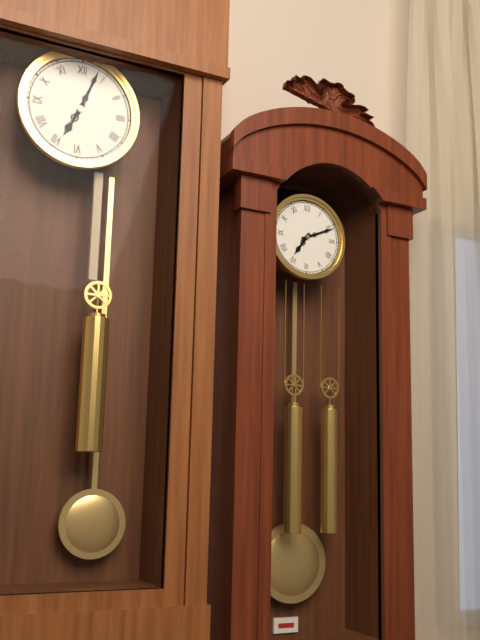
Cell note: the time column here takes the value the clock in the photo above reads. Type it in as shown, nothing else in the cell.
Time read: 7:11
